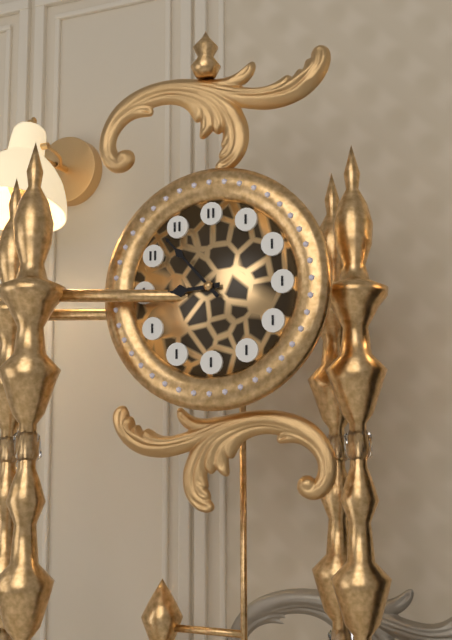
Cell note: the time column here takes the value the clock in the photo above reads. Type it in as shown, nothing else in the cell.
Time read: 8:53
